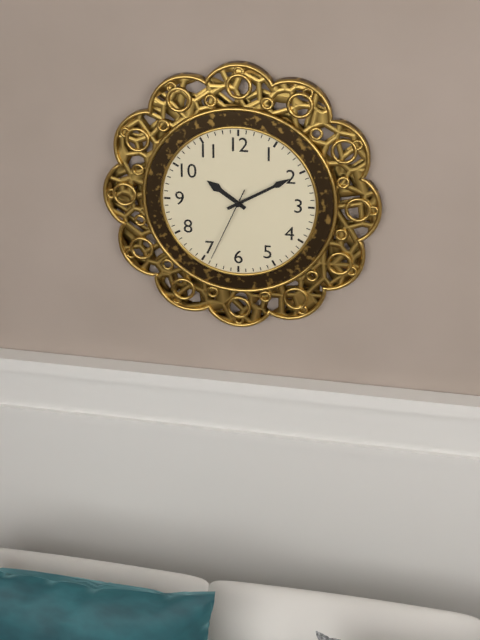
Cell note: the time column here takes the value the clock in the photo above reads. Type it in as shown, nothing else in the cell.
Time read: 10:10:34
